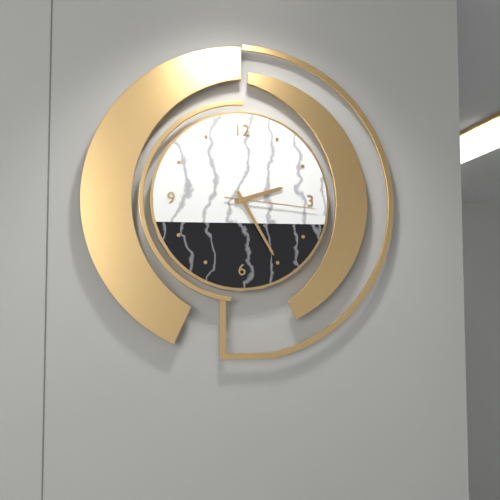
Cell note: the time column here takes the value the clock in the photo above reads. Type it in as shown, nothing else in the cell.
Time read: 2:25:16
